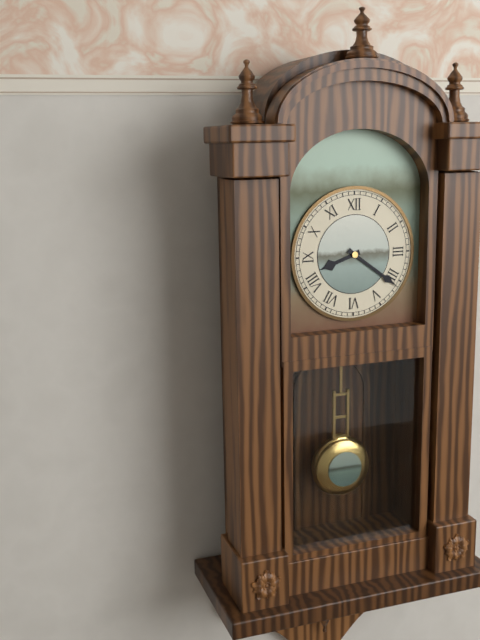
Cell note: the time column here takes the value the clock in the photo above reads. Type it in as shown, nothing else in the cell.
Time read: 8:21
